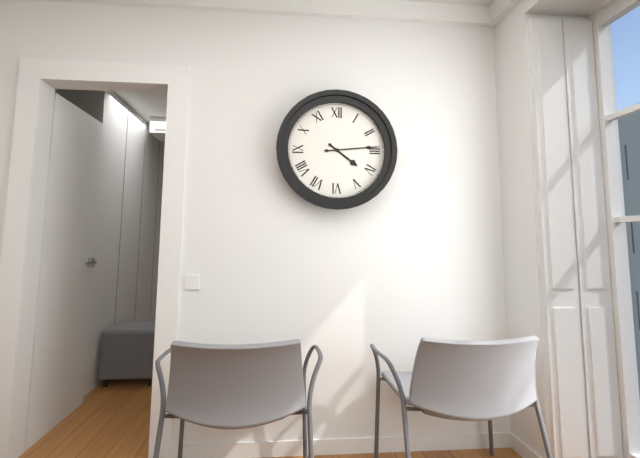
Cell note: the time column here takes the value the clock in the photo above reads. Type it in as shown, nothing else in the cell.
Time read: 4:14
